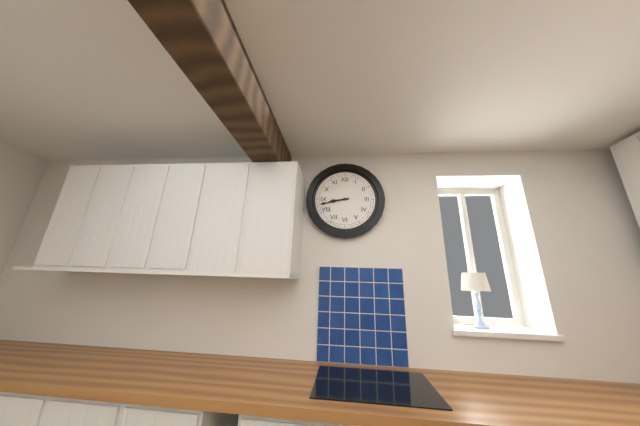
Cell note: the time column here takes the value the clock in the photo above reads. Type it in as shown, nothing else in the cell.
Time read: 8:43
